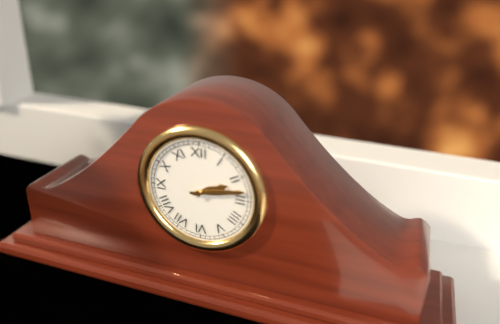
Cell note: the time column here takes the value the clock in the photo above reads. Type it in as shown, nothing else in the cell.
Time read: 2:13
